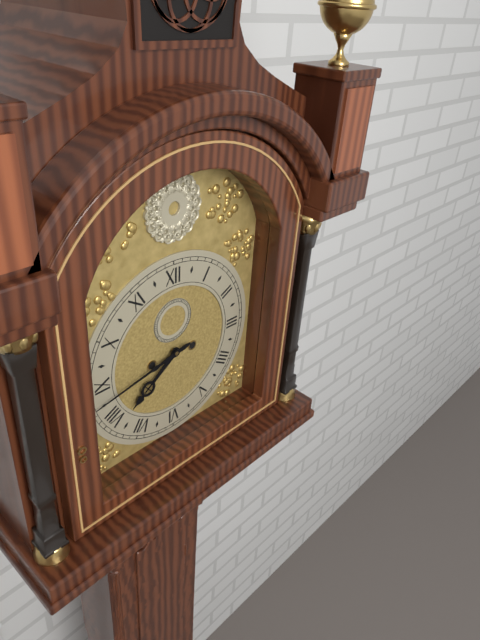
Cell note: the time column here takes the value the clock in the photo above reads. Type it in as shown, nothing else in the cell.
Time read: 7:43
